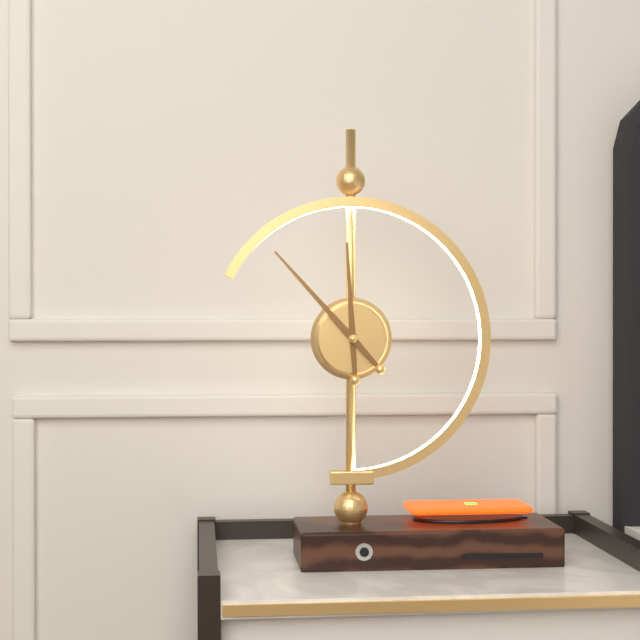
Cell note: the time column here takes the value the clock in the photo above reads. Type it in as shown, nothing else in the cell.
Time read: 11:53
